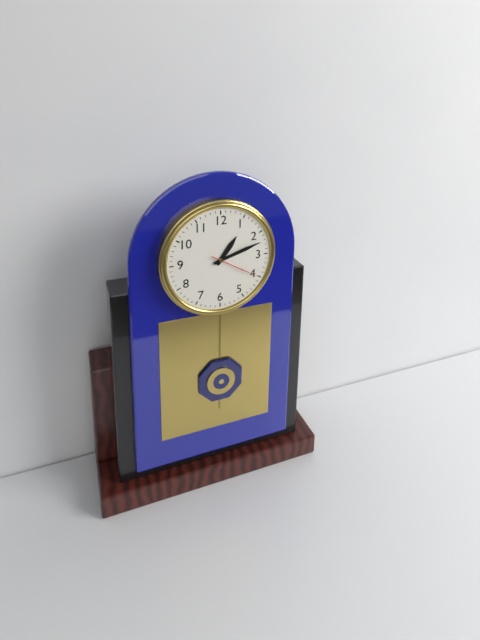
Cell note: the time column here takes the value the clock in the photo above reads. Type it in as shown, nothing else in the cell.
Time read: 1:12:20
